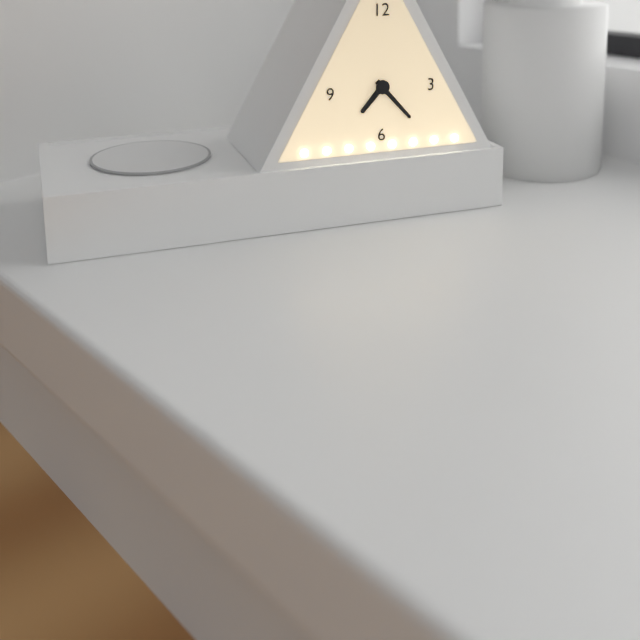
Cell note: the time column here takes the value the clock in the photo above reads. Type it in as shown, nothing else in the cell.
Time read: 7:23
